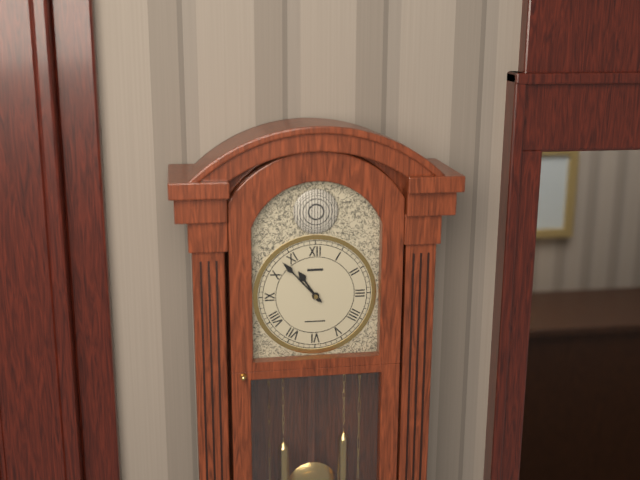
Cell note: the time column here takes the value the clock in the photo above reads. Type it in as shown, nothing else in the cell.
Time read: 10:53
